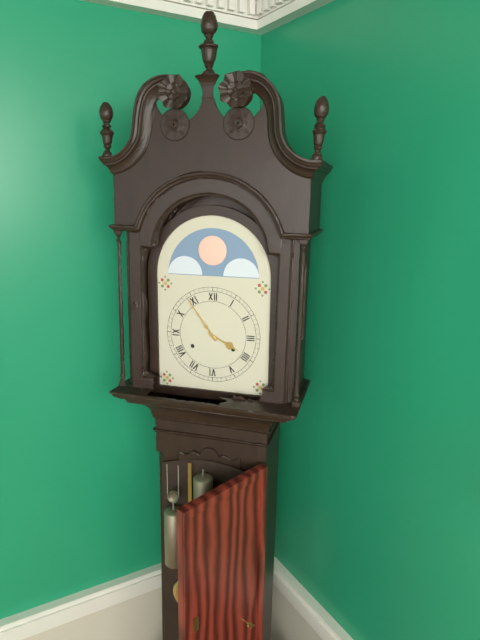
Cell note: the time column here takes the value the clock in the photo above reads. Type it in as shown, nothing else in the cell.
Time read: 3:54
